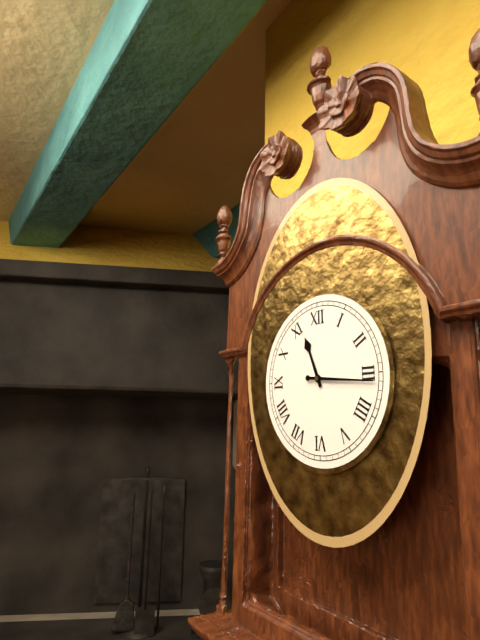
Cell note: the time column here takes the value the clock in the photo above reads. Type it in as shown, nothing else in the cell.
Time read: 11:16
